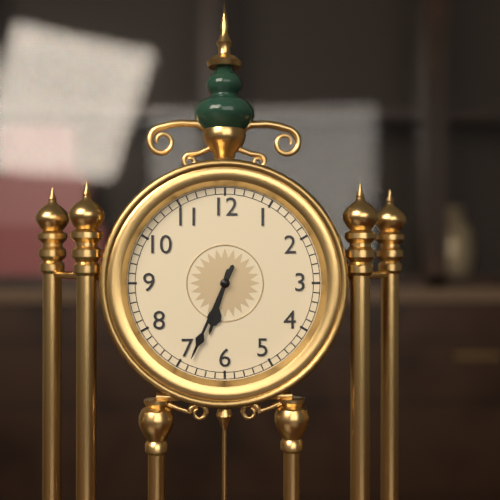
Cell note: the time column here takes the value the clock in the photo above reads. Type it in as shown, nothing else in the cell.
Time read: 6:34
